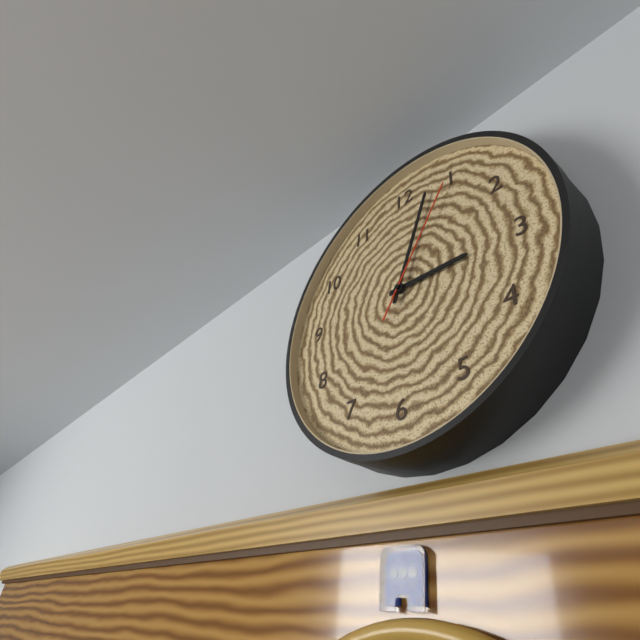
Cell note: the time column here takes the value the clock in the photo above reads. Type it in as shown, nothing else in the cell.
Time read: 3:03:05
